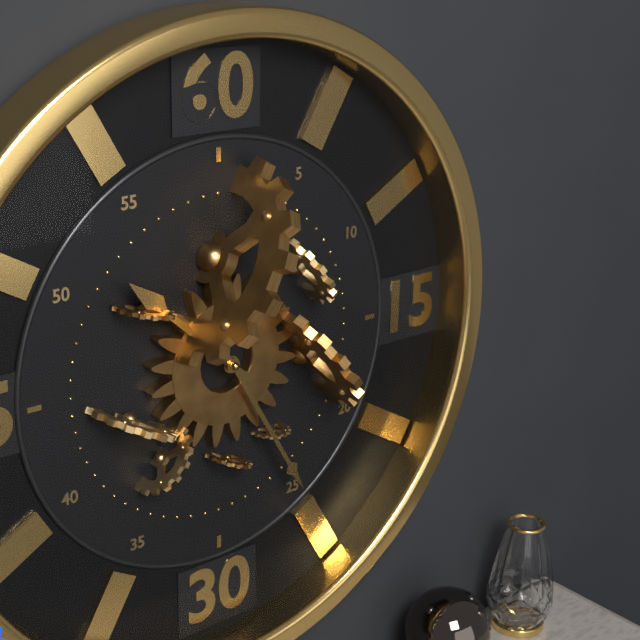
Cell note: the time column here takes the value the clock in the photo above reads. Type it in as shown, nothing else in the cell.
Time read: 10:25
